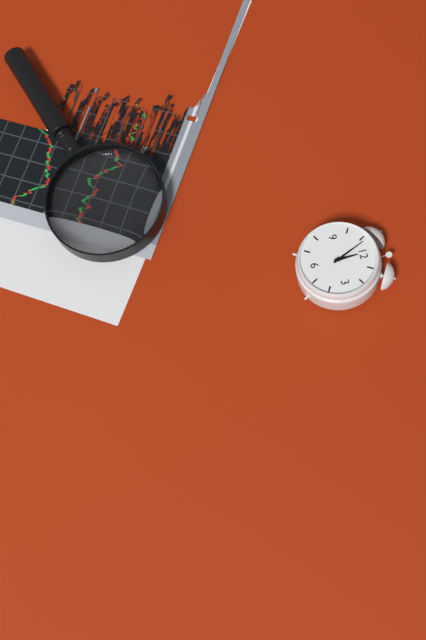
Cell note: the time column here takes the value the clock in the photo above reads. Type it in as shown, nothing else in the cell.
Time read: 11:56
